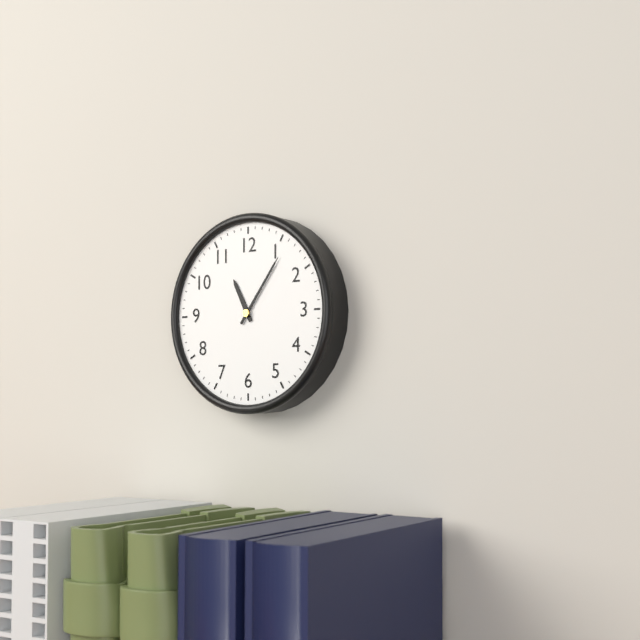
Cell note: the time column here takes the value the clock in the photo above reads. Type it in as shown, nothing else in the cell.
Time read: 11:06
